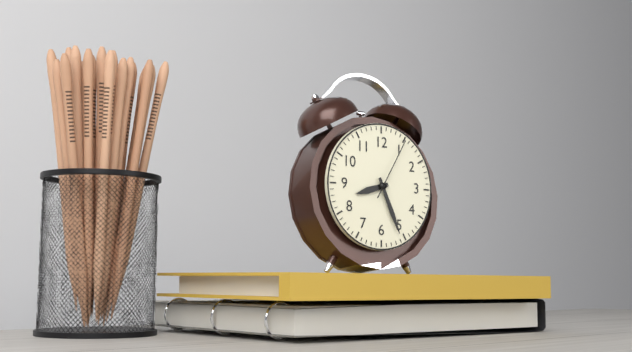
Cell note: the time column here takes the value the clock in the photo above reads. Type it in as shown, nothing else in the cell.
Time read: 8:26:05
